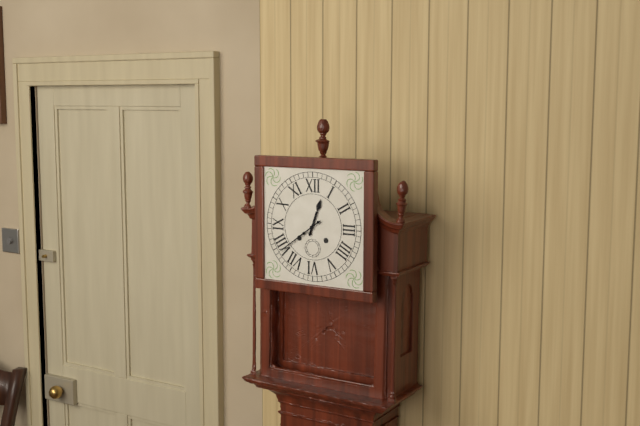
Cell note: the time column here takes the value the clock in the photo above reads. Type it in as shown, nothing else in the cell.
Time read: 12:39
